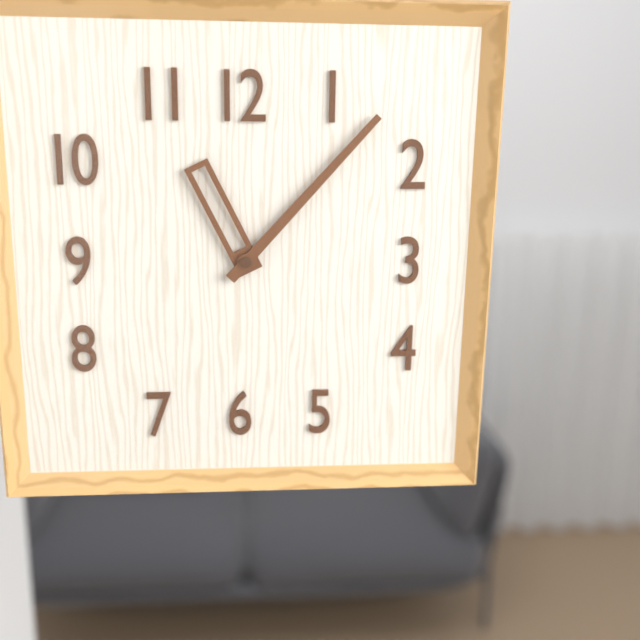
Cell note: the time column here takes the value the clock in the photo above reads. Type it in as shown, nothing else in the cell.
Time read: 11:07
